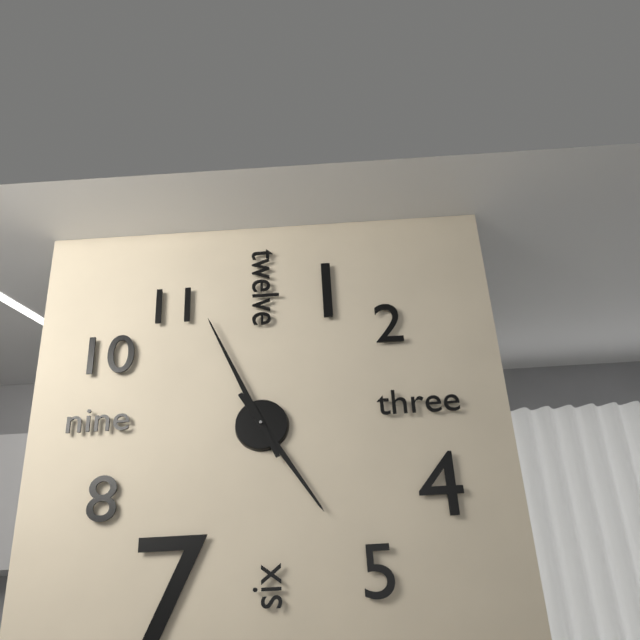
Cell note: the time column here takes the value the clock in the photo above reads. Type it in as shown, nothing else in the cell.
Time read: 4:56
